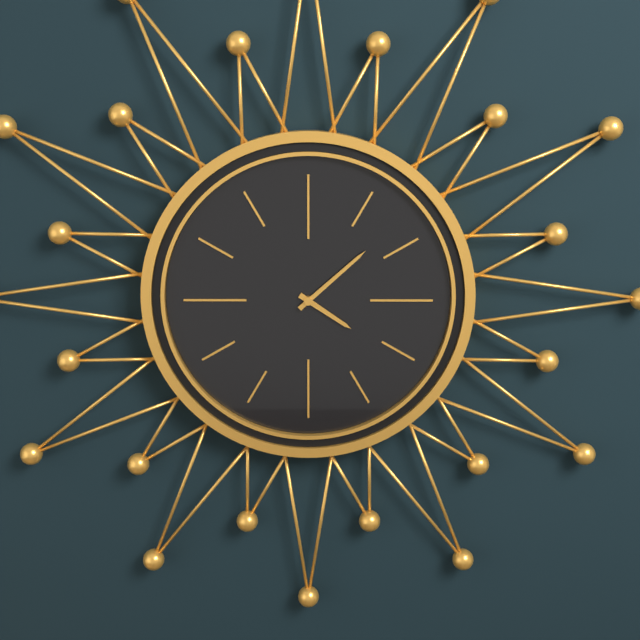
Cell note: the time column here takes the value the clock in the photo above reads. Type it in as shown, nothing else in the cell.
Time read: 4:08
